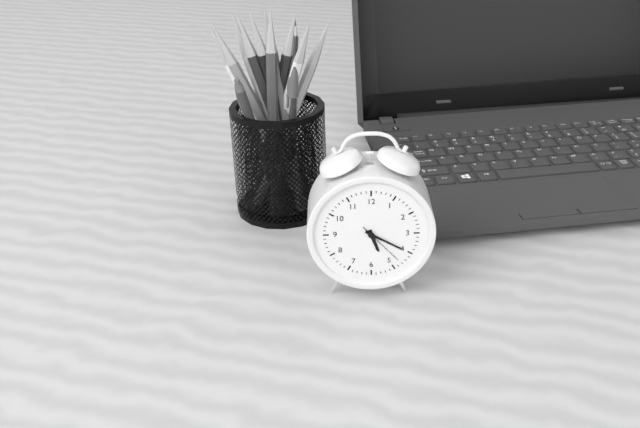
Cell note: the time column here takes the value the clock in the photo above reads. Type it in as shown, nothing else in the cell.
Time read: 5:20
